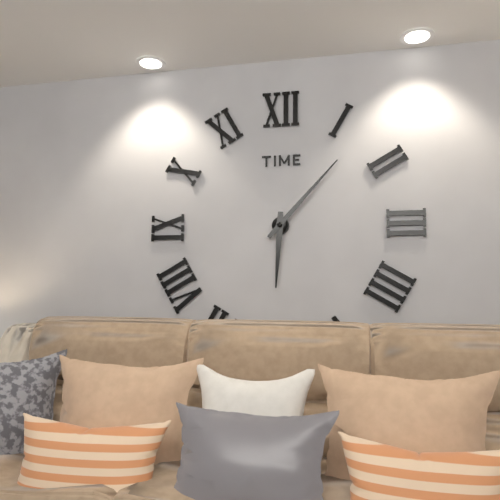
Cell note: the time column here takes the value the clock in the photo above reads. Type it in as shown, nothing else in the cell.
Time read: 6:07
